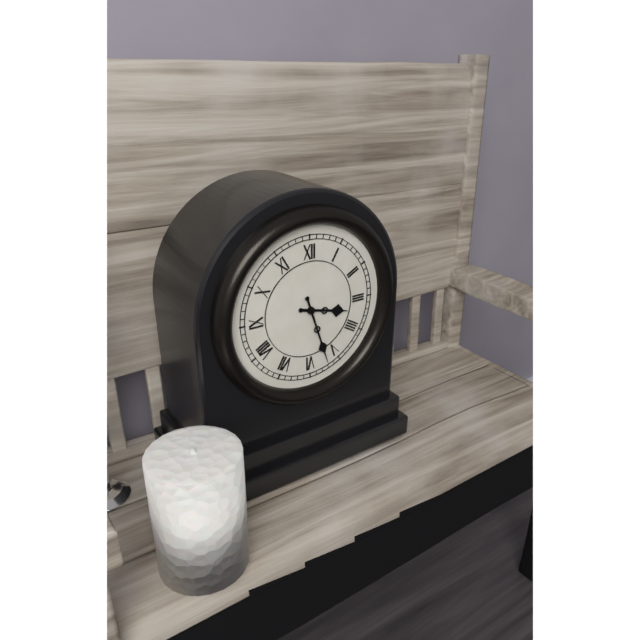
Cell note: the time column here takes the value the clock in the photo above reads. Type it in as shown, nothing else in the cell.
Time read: 3:27
